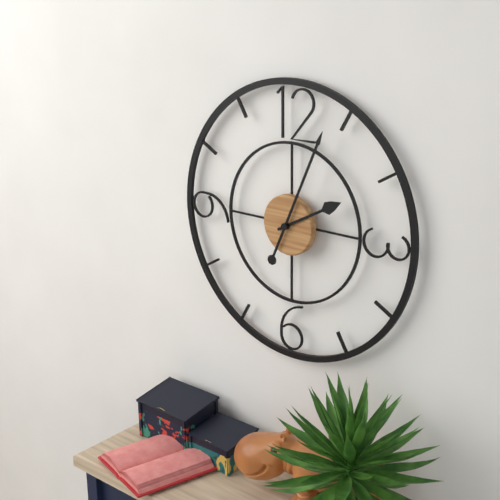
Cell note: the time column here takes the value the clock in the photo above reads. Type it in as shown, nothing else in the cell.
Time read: 2:04
